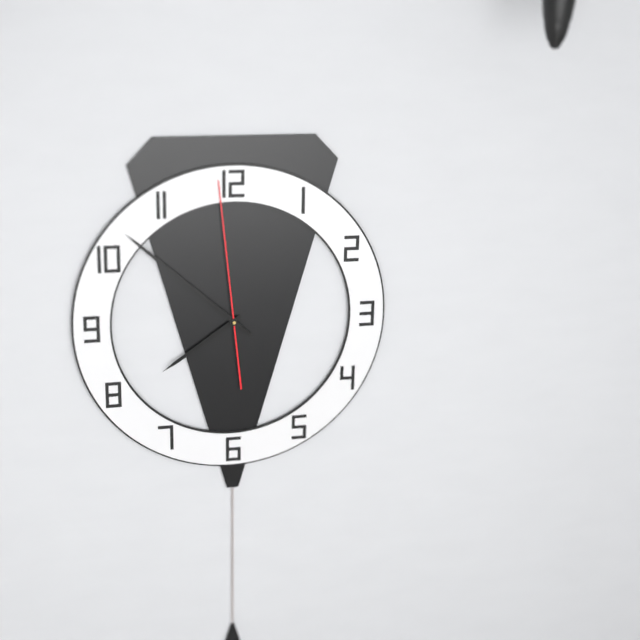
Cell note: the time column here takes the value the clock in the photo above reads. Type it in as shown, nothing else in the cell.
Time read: 7:52:59
